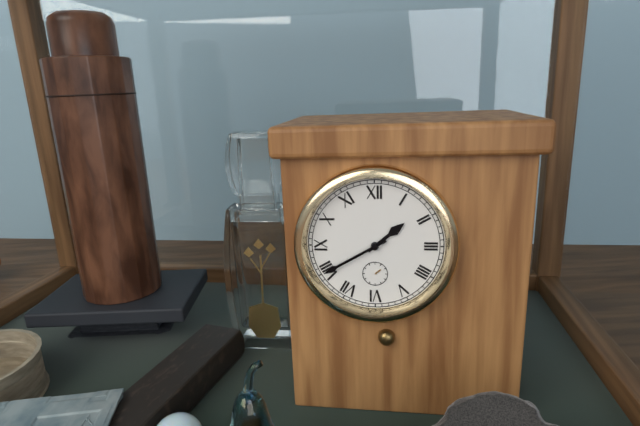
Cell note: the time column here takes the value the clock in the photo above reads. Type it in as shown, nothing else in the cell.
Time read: 1:40
